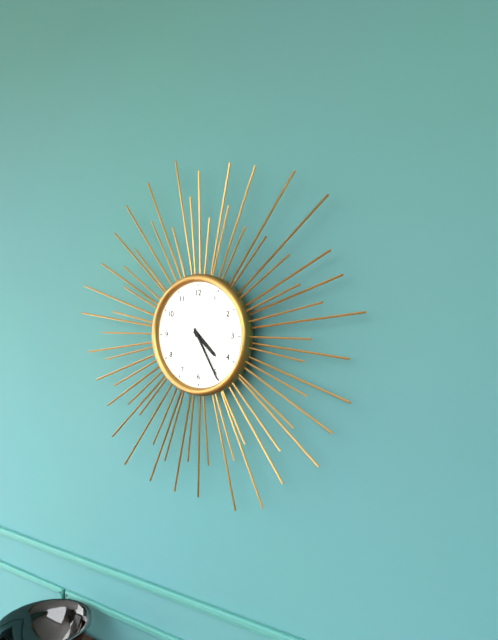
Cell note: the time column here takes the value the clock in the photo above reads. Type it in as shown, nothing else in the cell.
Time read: 4:25
